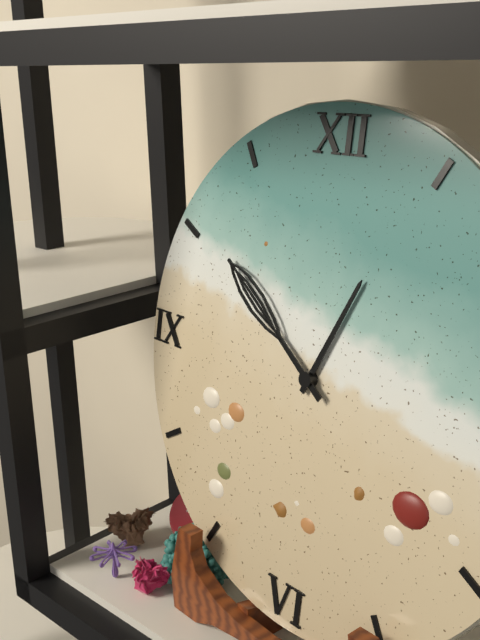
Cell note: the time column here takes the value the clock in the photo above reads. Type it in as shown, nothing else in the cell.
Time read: 12:51
